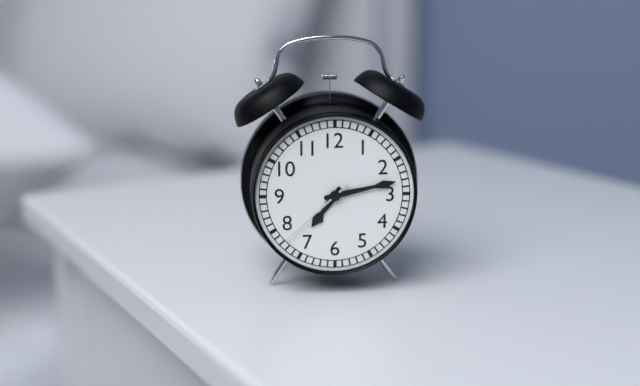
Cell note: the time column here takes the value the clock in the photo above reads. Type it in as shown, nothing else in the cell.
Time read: 7:13:38
